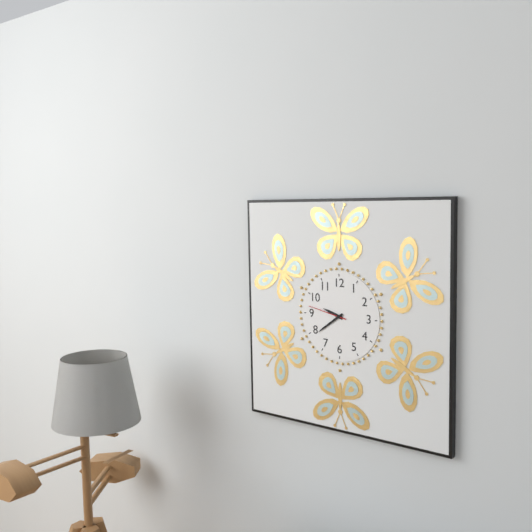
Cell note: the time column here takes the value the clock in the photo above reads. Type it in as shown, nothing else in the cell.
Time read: 9:39
